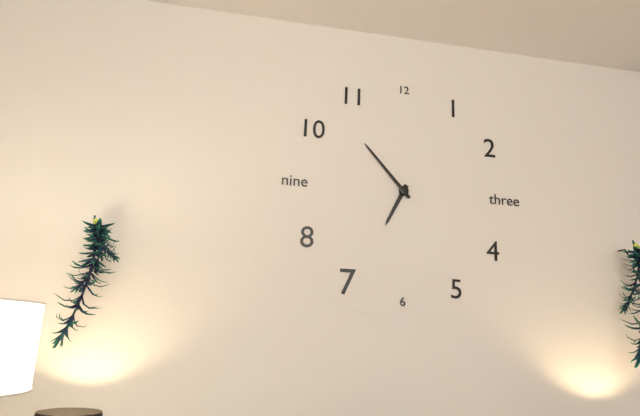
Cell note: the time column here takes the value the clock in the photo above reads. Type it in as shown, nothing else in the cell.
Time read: 6:53
